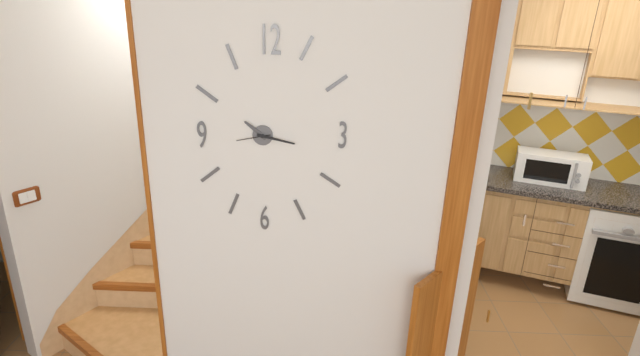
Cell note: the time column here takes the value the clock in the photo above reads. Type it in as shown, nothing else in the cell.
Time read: 10:17
